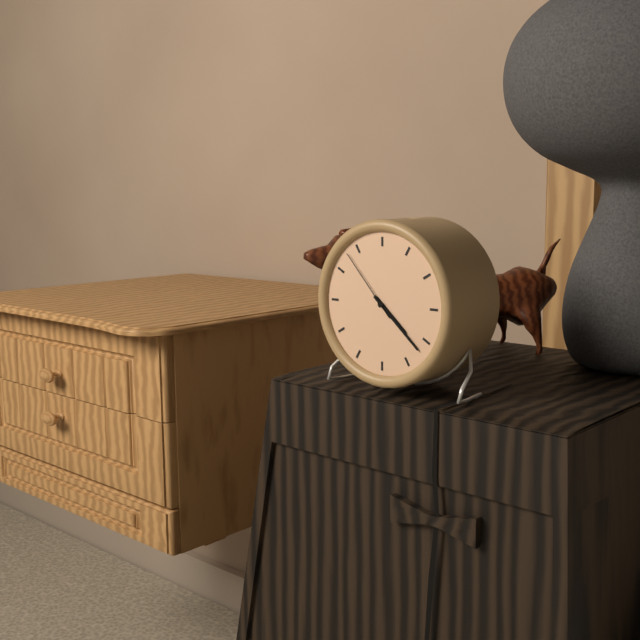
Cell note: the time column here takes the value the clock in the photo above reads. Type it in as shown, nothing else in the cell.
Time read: 4:22:53
